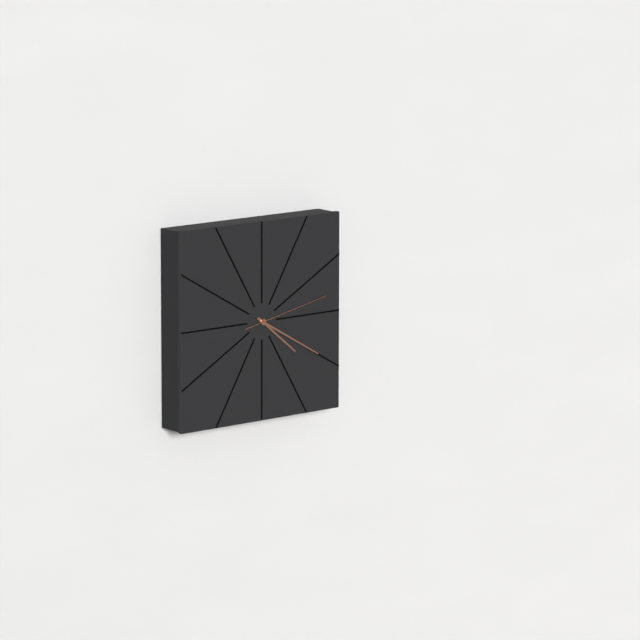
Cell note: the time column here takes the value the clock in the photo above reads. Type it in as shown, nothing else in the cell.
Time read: 4:20:13
